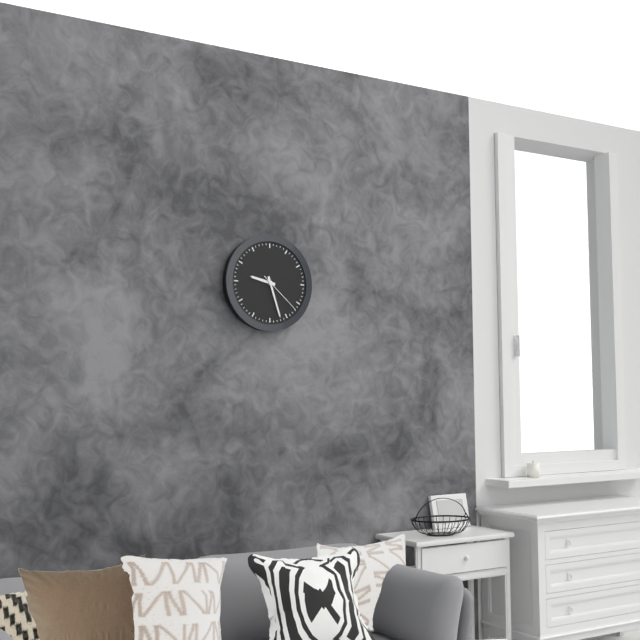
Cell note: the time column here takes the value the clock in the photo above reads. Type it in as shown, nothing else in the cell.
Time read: 9:27
